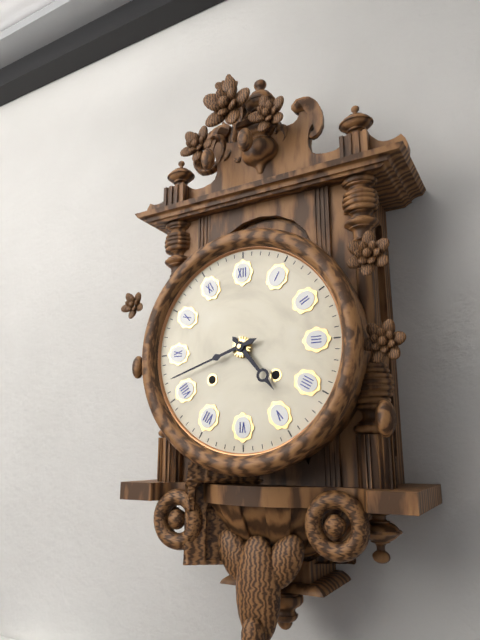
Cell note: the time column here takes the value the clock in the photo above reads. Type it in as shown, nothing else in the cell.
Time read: 4:42
